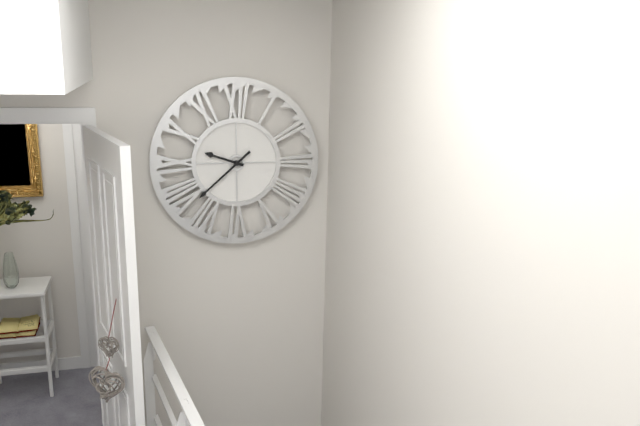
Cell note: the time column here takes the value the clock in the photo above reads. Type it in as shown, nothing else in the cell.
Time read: 9:38
